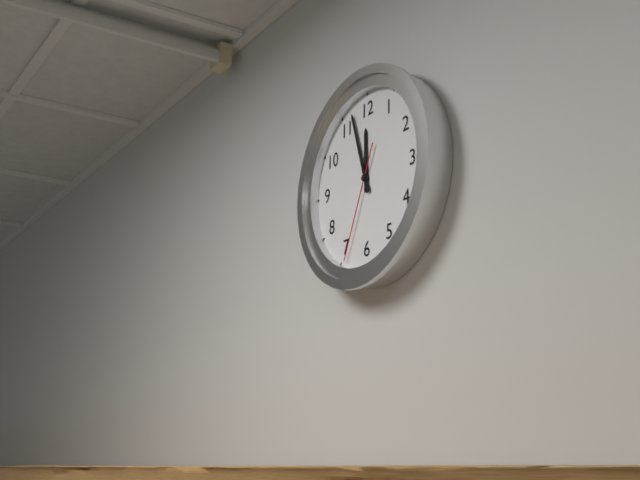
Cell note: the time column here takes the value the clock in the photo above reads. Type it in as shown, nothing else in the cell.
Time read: 11:57:34
